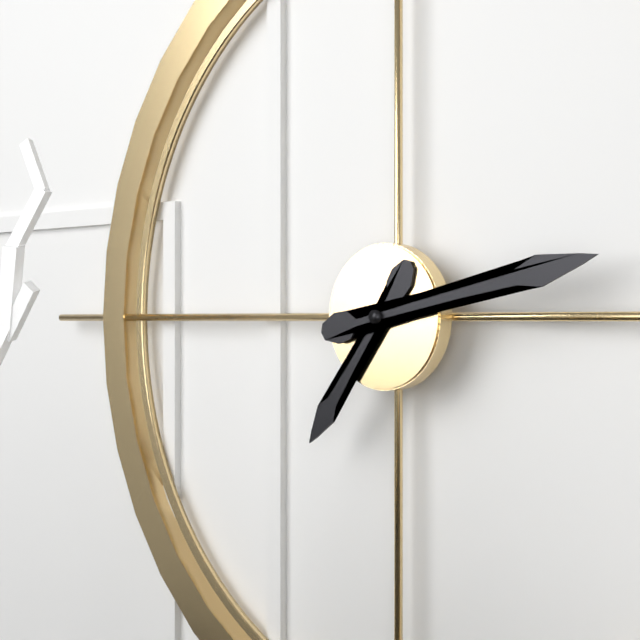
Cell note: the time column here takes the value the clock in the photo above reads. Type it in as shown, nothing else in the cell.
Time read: 7:13
